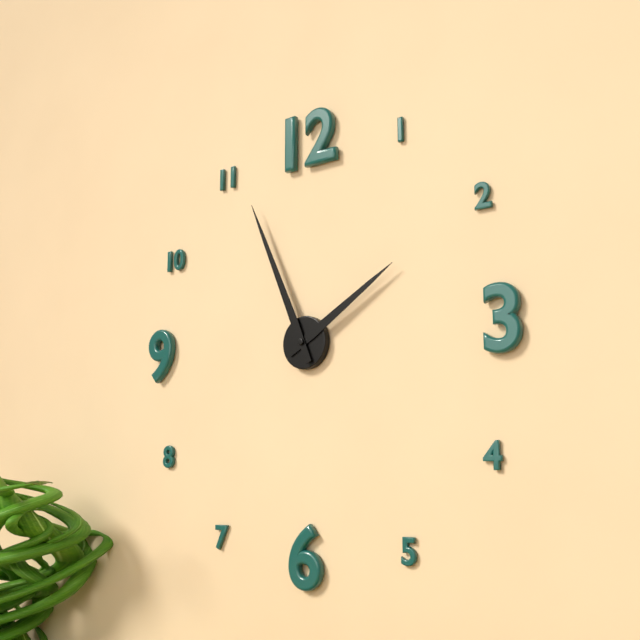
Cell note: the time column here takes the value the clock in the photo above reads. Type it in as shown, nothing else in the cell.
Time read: 1:56
